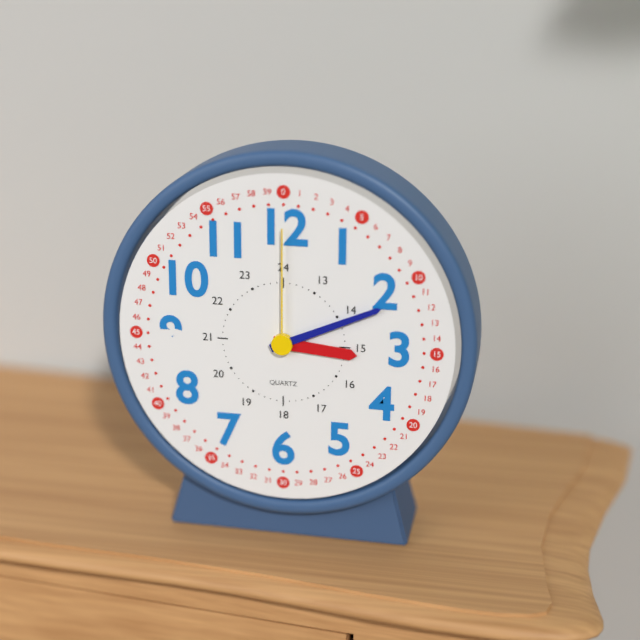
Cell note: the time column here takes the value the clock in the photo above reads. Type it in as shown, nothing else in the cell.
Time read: 3:11:00
